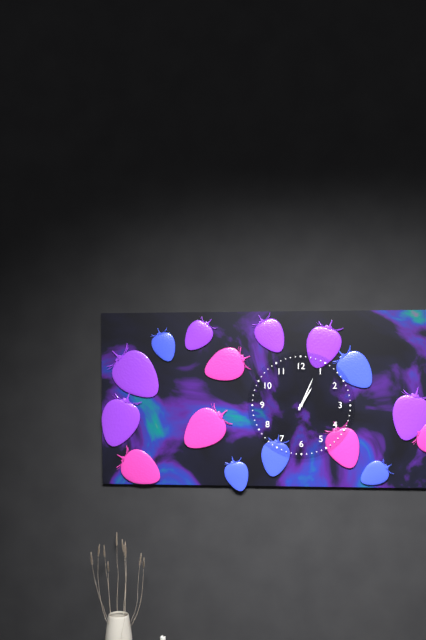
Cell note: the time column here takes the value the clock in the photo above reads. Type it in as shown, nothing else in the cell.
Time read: 1:04
